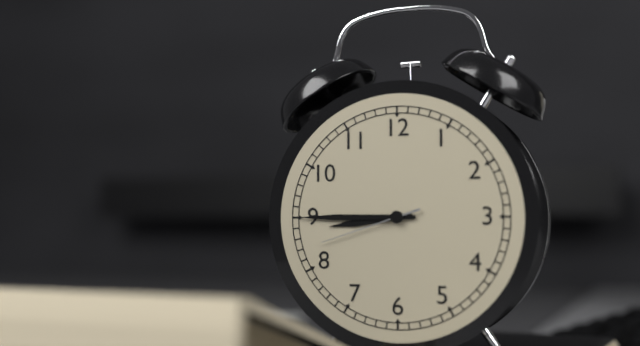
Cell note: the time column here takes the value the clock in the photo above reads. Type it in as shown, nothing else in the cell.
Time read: 8:45:42
